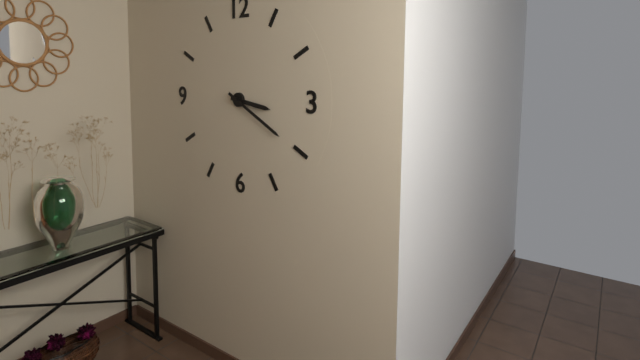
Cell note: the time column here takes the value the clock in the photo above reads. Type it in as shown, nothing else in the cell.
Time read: 3:20
